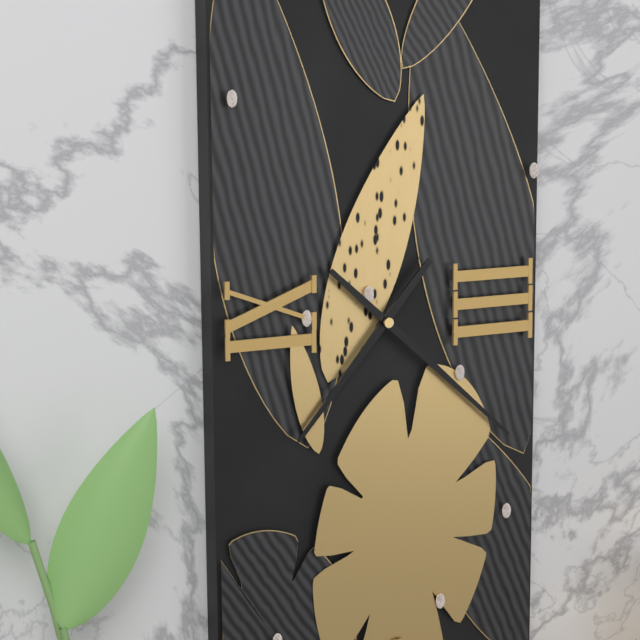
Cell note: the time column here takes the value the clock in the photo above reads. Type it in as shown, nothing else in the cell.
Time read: 7:22
